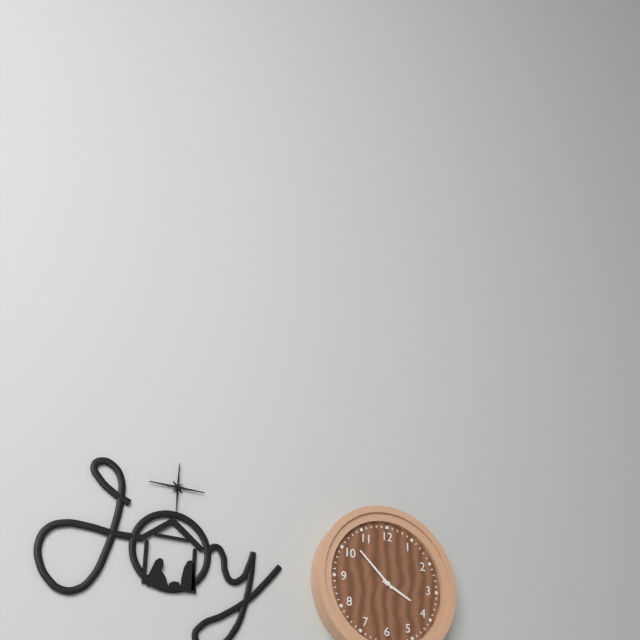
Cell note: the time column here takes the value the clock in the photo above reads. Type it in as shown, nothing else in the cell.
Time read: 3:52
